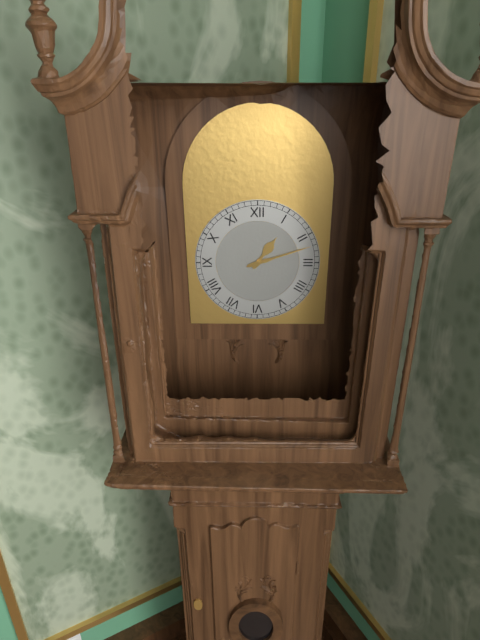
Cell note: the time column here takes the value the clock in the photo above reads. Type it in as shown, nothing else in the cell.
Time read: 1:12
